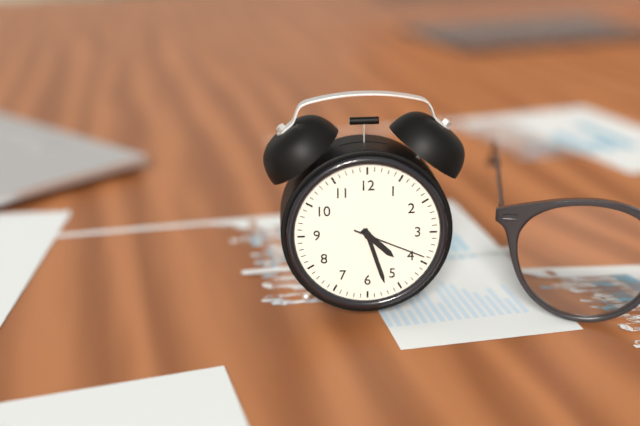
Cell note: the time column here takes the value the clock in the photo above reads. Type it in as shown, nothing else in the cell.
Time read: 4:27:19
